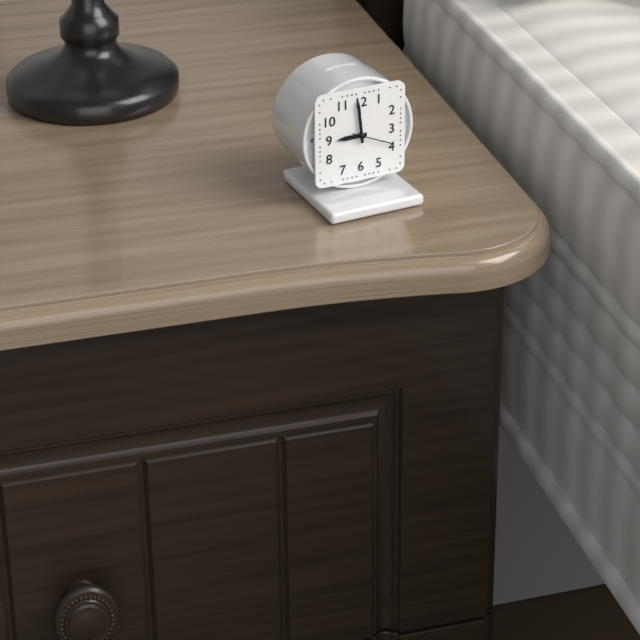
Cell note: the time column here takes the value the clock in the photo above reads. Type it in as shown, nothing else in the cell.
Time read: 8:59
